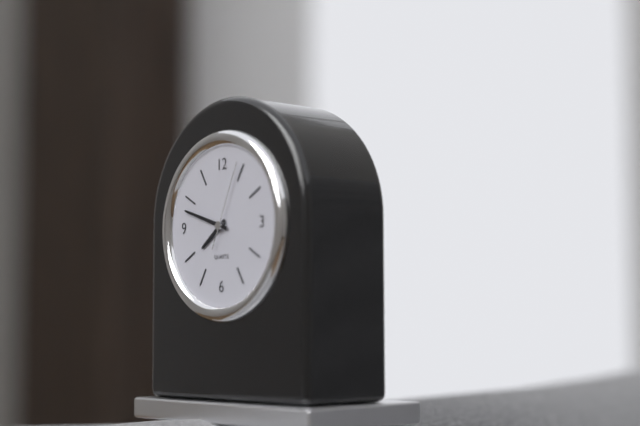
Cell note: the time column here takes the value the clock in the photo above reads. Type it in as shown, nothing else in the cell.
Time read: 7:48:04
